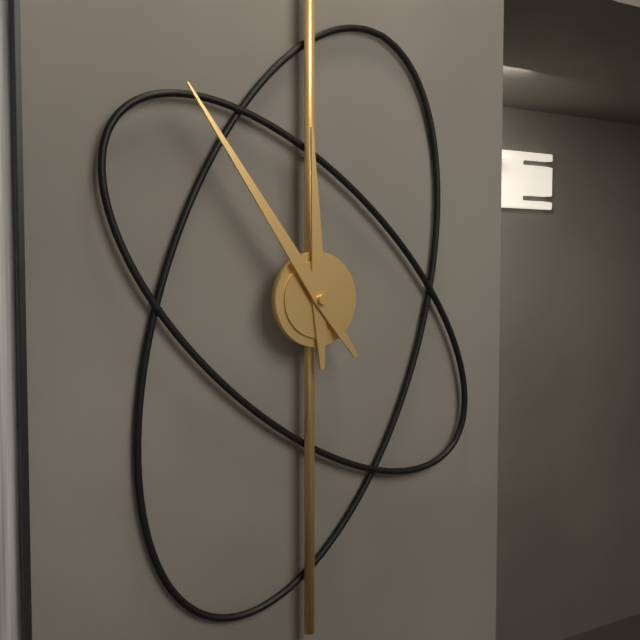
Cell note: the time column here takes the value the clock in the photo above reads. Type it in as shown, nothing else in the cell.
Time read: 11:54
